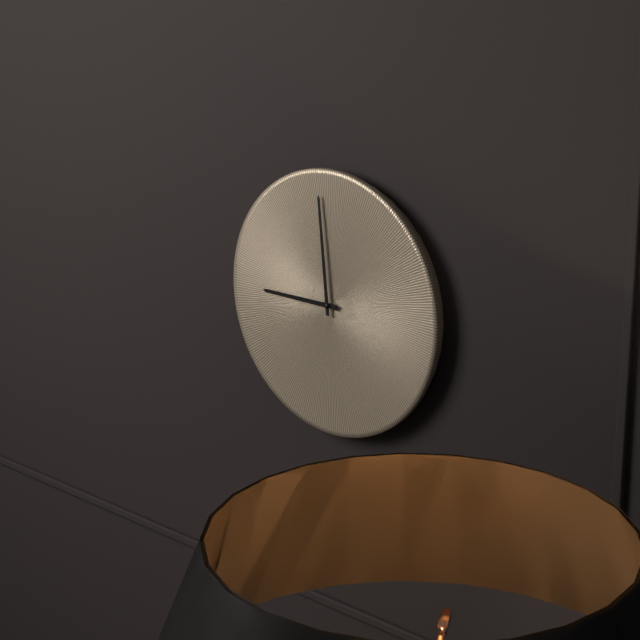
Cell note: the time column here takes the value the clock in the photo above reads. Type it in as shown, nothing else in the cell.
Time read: 8:59
